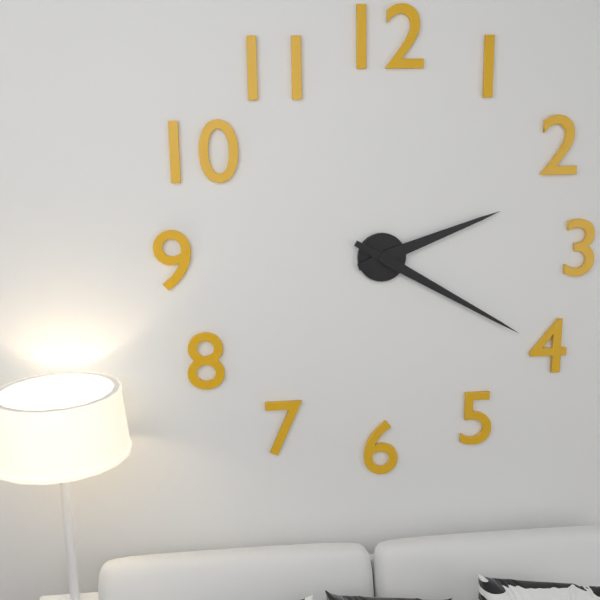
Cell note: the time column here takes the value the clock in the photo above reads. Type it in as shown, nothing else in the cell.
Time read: 2:20
